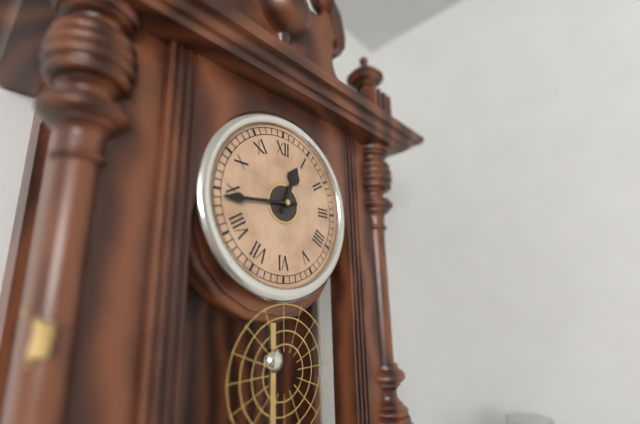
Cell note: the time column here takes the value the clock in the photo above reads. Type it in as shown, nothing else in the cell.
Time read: 12:44
